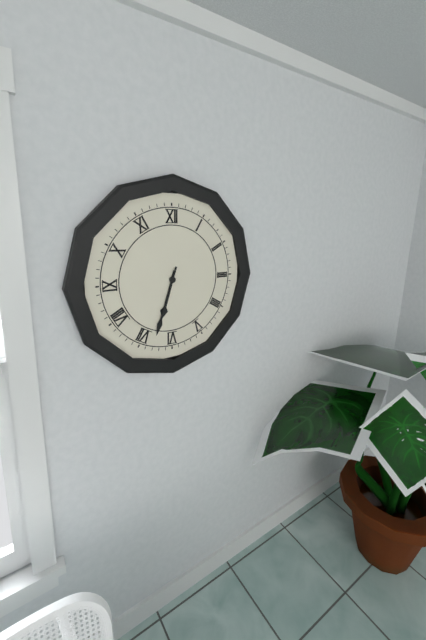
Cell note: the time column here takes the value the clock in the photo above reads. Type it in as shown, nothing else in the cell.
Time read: 6:33
